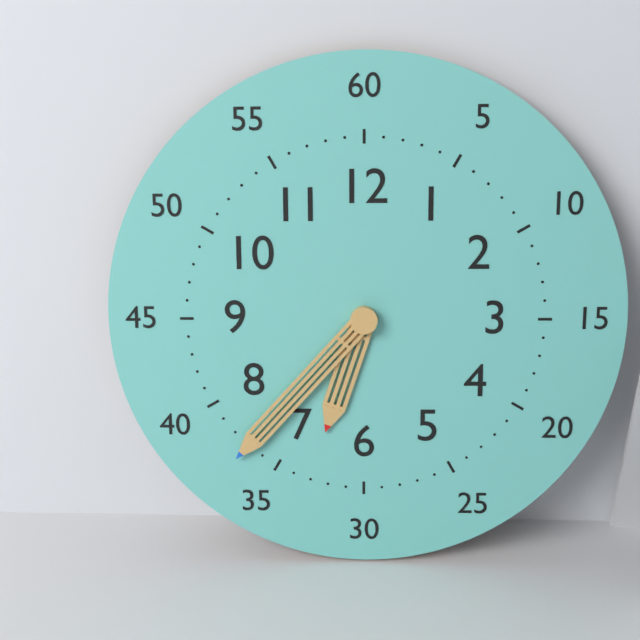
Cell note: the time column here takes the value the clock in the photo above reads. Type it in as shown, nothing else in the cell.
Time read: 6:37
